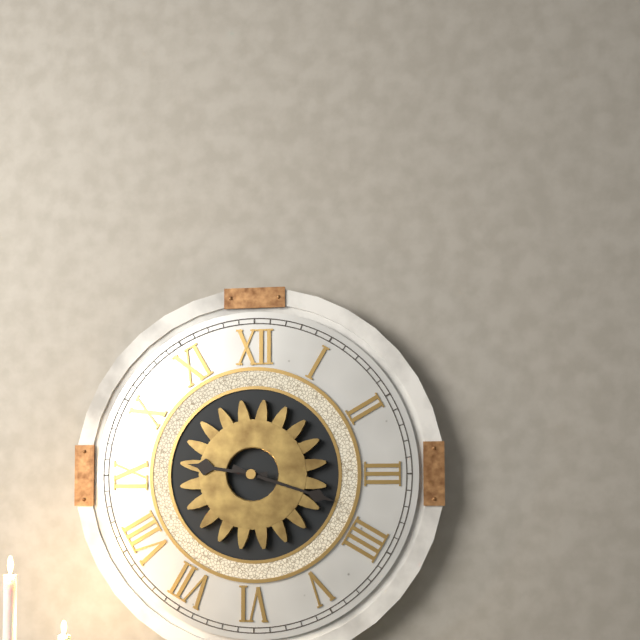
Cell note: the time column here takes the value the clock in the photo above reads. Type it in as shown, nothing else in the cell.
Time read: 9:18
